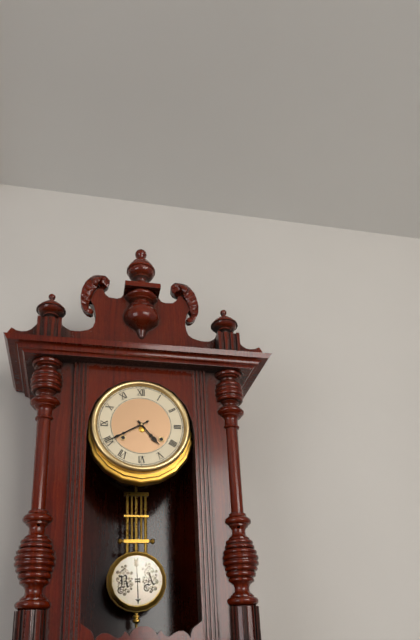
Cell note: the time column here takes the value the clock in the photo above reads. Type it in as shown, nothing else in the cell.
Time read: 4:40
